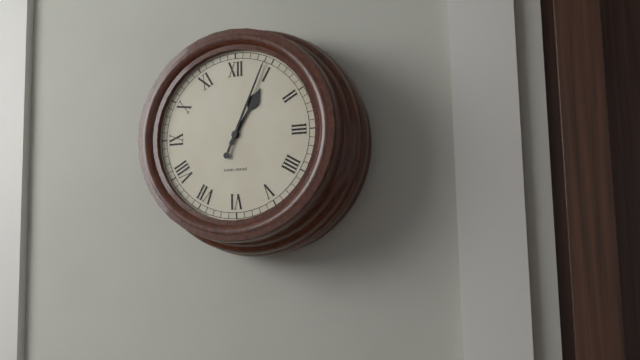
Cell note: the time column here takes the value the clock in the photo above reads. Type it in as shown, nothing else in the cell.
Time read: 1:04
